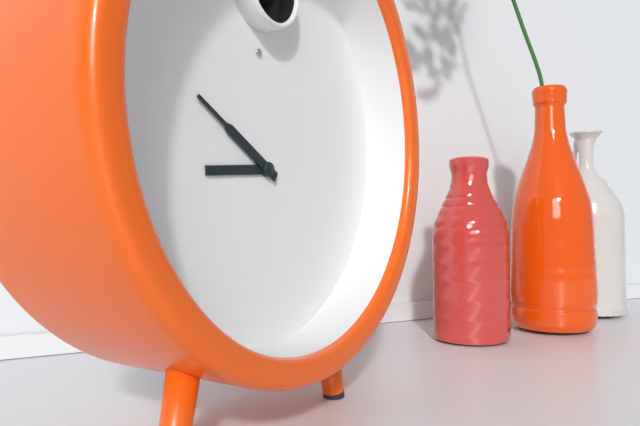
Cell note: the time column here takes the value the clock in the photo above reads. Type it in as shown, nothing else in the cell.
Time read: 8:50
